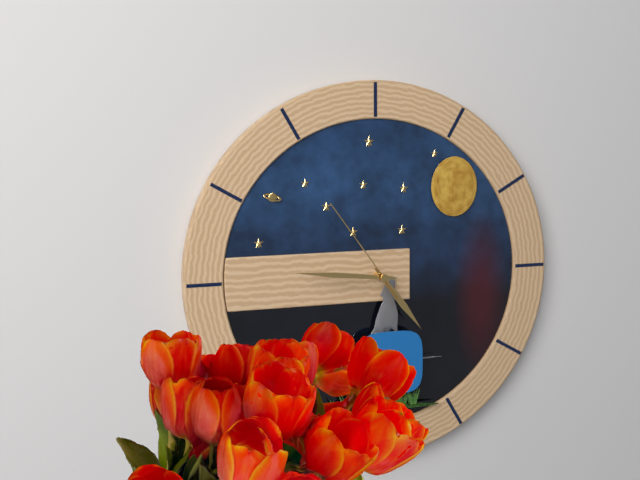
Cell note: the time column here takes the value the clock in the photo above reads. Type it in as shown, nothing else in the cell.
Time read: 4:46:54
